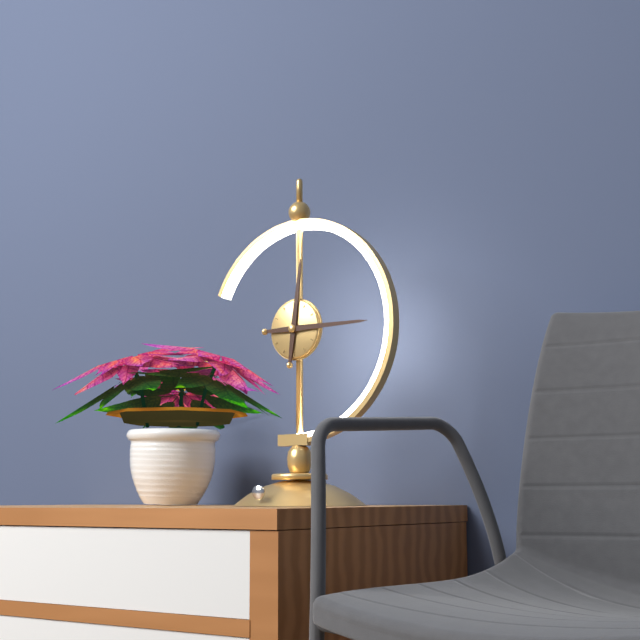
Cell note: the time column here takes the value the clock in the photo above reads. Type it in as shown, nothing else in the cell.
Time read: 12:15
